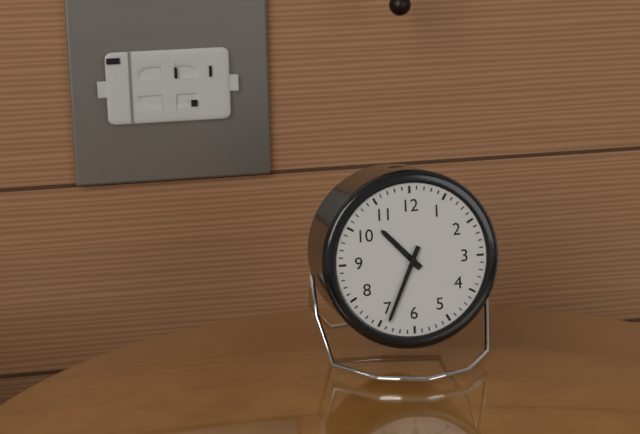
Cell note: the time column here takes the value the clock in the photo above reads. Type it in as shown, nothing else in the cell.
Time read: 10:34
